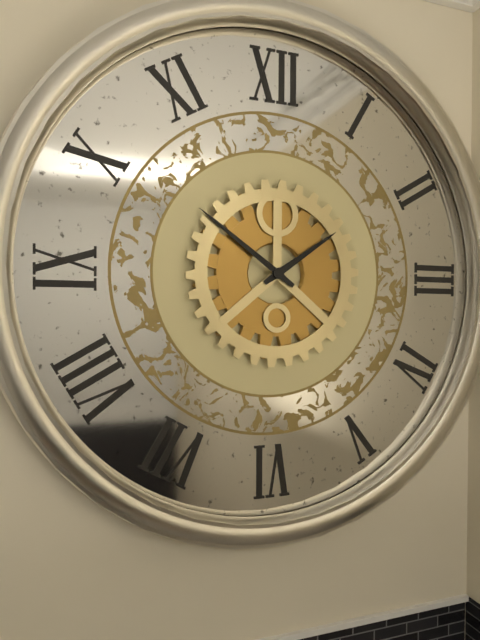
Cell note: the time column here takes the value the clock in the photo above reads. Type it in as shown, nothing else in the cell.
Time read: 1:51
